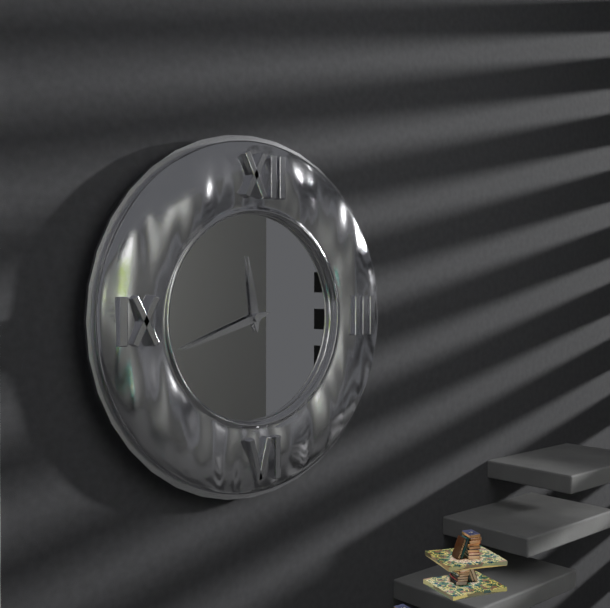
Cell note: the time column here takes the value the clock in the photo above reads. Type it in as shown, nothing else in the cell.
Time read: 11:42
